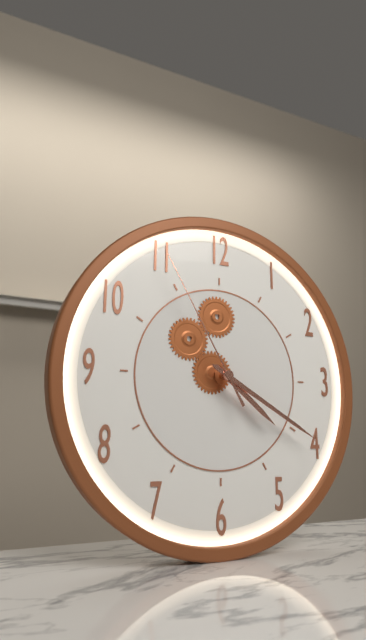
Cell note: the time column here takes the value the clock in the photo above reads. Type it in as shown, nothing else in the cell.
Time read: 4:20:55
